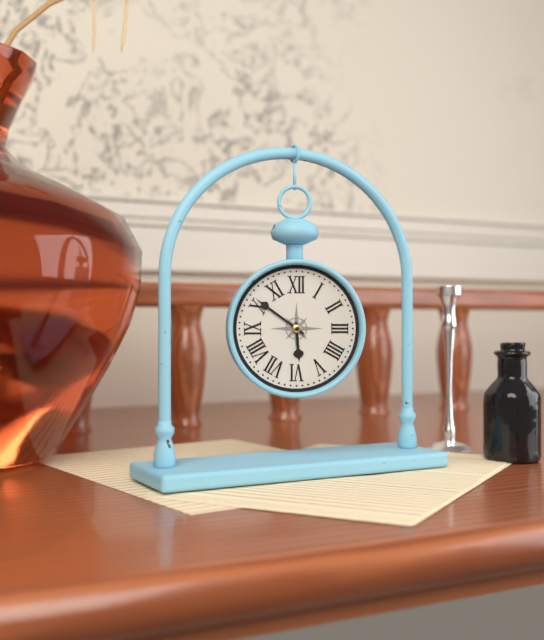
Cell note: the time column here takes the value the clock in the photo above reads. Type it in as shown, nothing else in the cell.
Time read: 5:51
